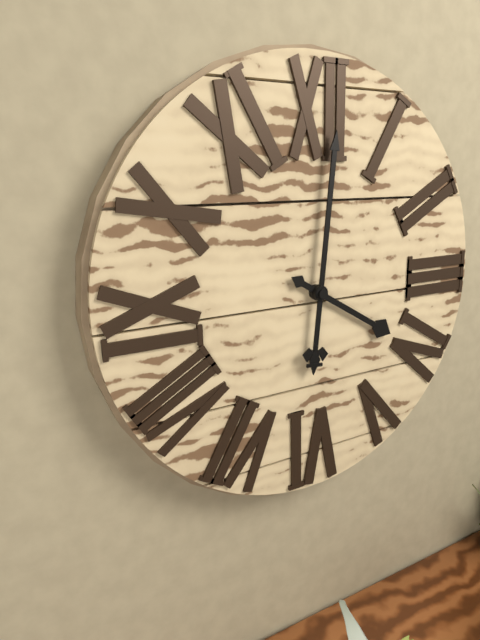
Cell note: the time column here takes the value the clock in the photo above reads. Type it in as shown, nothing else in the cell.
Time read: 4:01
